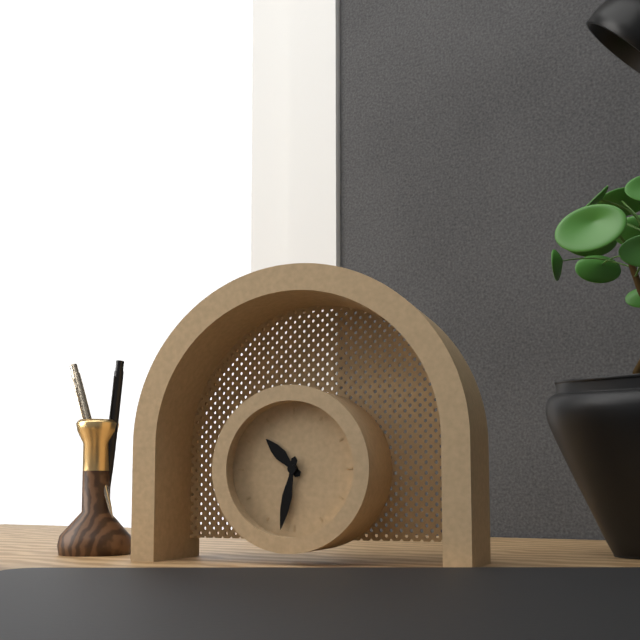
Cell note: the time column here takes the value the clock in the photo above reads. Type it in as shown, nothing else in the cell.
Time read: 10:32
